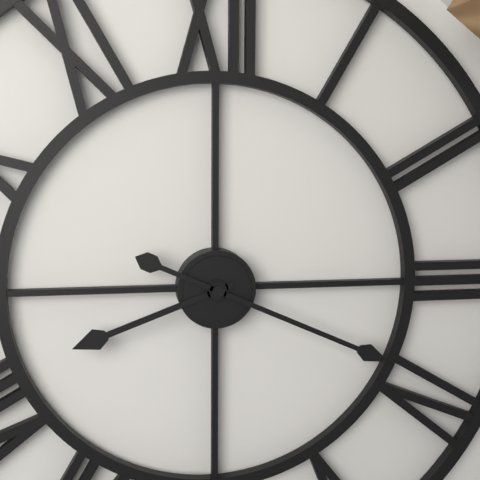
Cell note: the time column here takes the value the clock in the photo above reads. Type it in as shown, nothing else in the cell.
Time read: 8:19
